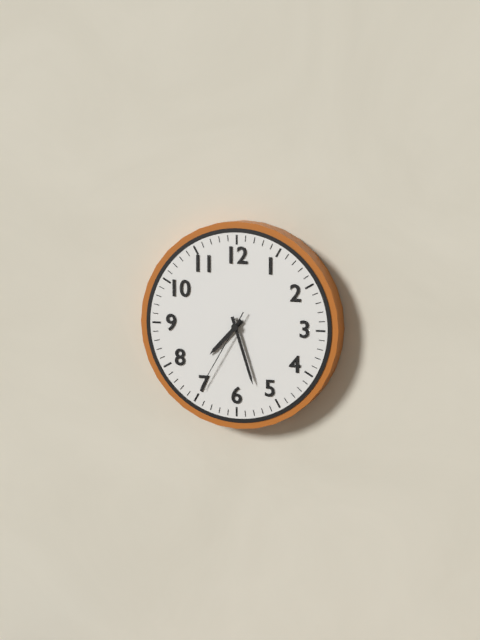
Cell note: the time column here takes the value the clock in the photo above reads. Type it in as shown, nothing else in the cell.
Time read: 7:27:35
